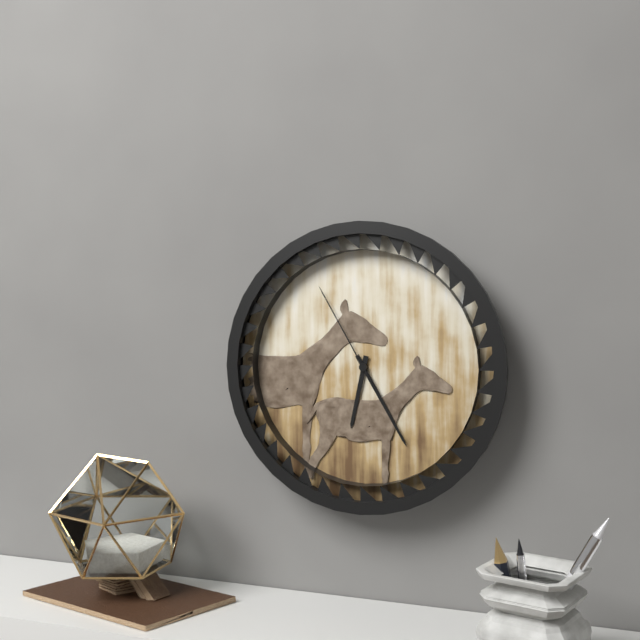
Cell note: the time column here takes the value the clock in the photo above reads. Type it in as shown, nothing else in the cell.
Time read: 6:25:55
